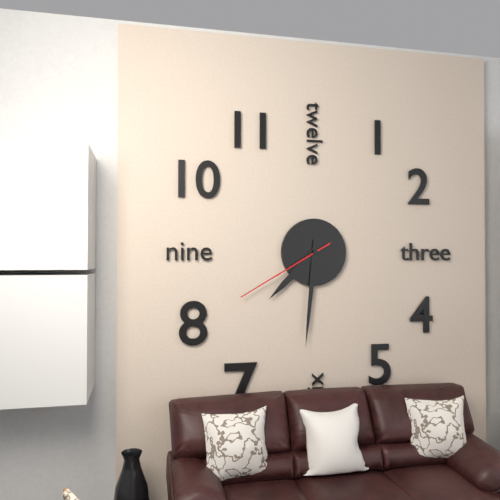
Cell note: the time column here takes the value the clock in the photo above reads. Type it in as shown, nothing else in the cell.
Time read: 7:31:40
